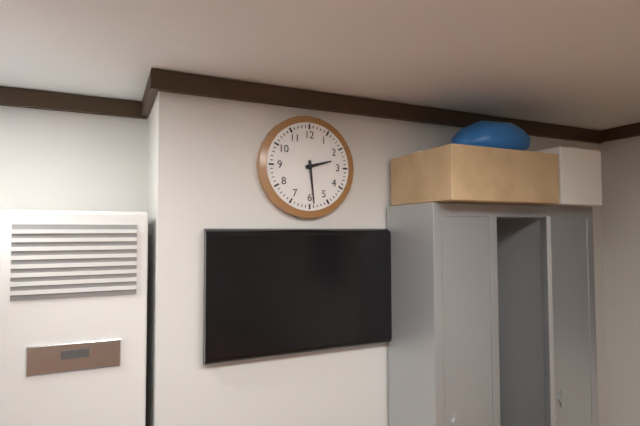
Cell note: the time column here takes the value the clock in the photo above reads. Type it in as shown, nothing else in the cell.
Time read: 2:29
